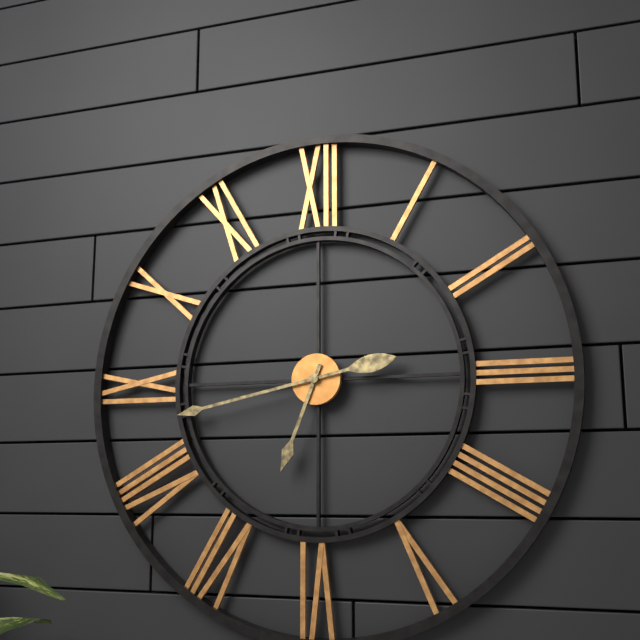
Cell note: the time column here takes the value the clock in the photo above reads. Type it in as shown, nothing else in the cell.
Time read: 6:43
